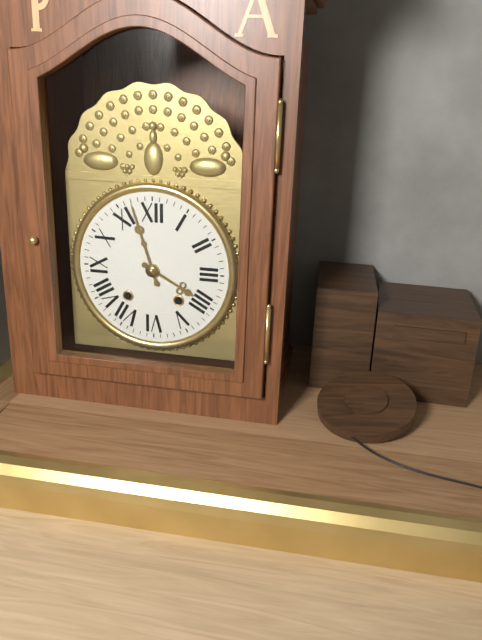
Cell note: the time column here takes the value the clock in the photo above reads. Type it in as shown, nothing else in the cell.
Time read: 3:57
